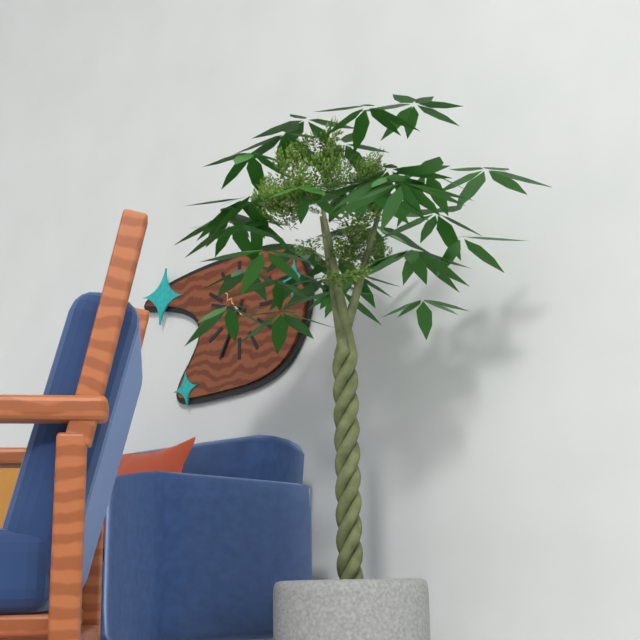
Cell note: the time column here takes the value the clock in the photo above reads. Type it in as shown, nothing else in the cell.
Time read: 9:35
